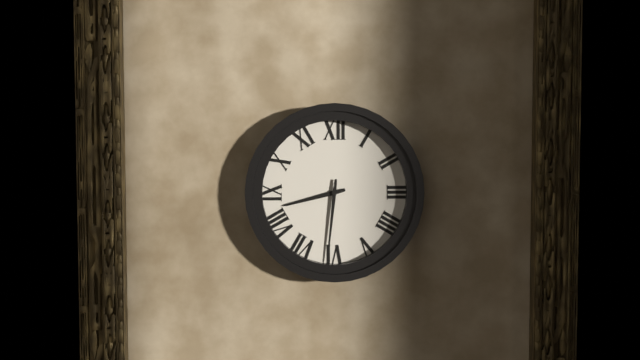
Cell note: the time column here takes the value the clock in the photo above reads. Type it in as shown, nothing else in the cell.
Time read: 8:31
